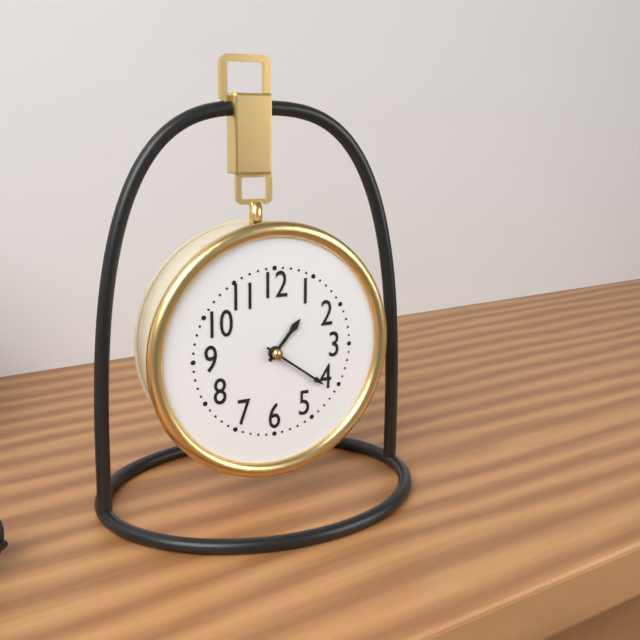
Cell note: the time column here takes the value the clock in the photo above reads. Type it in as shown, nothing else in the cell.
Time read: 1:21
